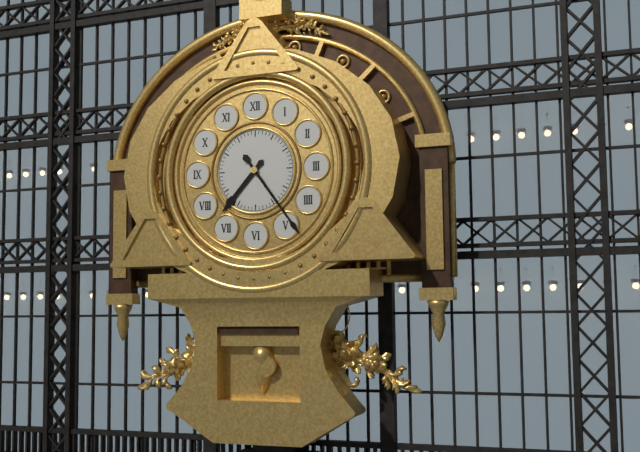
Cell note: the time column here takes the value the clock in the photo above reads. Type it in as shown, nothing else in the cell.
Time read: 7:24
